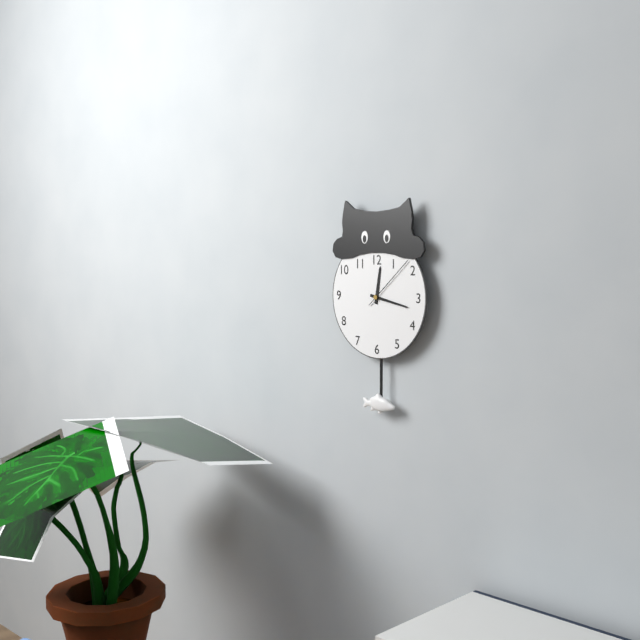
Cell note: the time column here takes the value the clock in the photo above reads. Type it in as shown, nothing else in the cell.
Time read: 12:17:08
